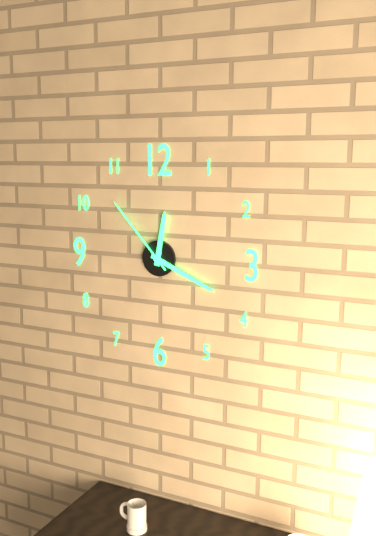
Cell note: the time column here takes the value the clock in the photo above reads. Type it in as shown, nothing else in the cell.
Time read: 12:19:53
